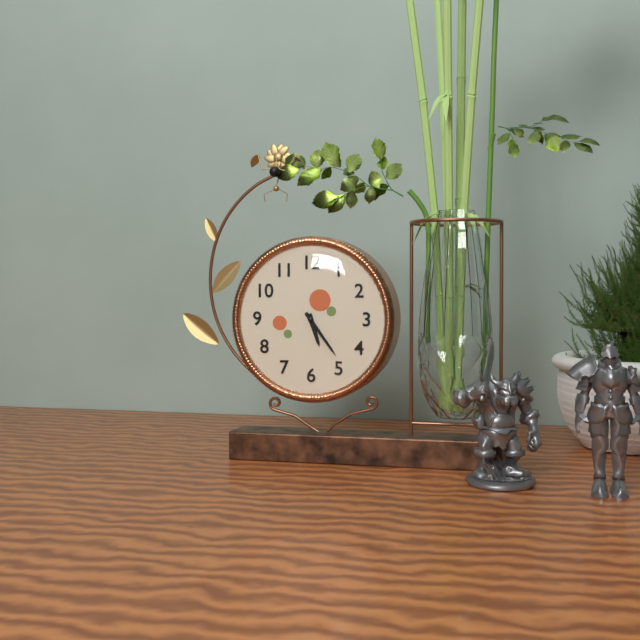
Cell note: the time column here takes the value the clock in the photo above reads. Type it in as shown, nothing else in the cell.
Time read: 5:24
